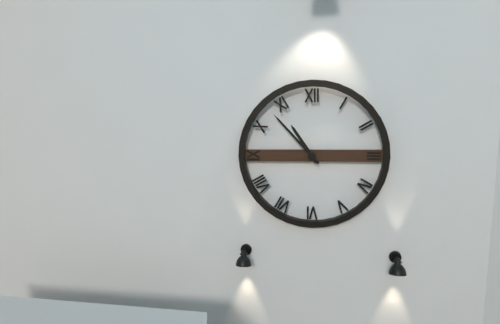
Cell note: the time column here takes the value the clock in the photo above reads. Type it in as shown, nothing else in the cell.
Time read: 10:53
